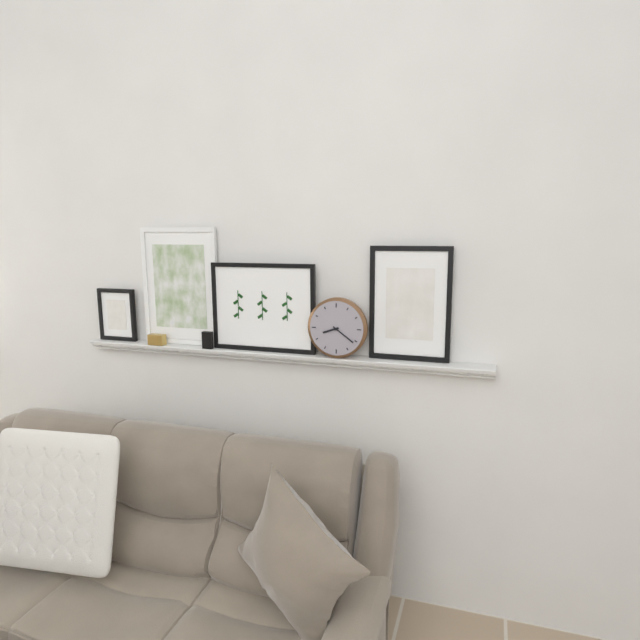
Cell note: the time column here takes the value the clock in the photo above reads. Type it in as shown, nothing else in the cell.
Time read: 8:21
